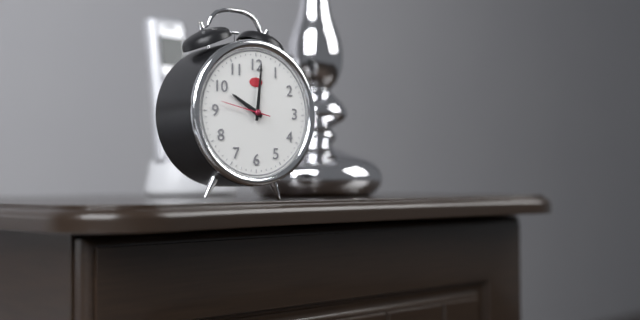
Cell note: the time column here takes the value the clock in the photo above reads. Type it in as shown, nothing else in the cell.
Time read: 10:01
